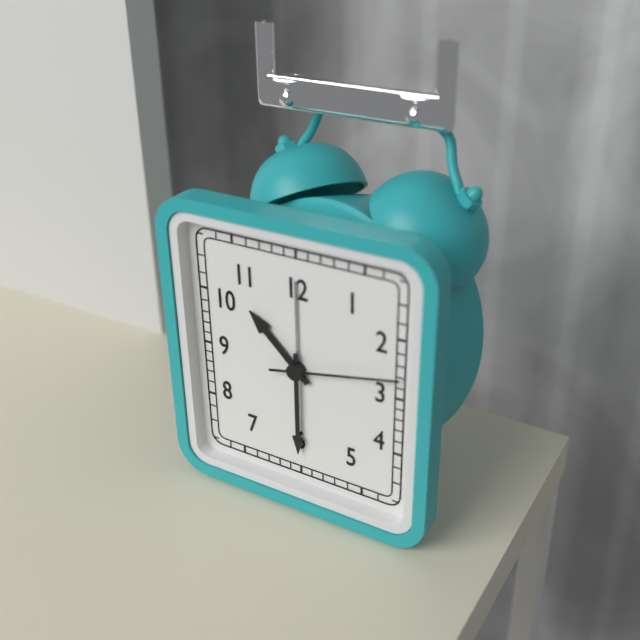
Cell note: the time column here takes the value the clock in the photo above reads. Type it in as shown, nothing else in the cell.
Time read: 10:30:13
